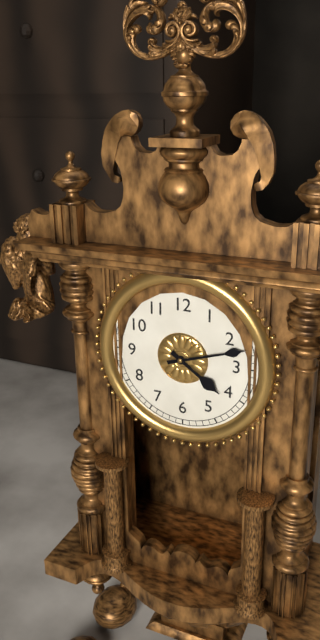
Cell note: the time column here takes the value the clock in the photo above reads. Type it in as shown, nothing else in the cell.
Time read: 4:12
